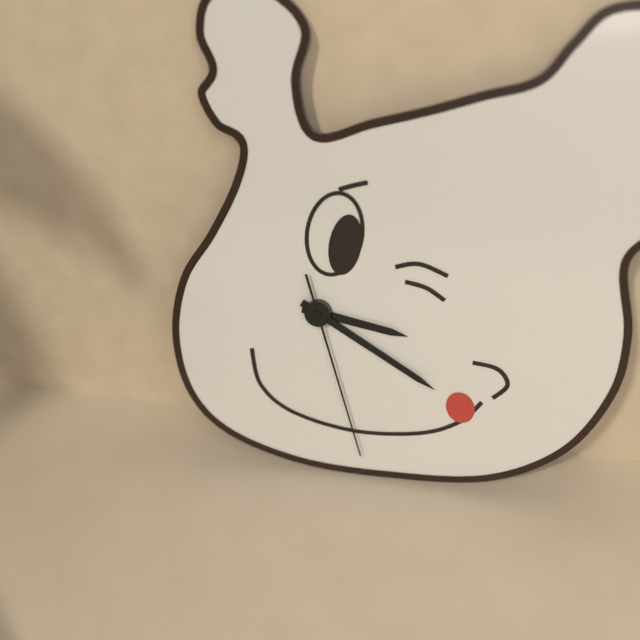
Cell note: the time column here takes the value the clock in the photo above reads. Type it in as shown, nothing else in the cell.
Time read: 3:20:27
